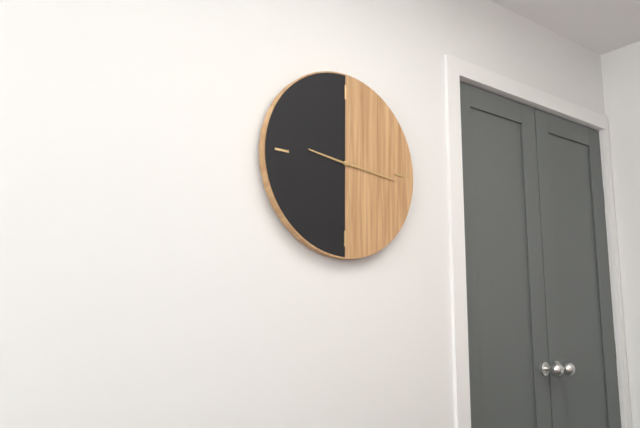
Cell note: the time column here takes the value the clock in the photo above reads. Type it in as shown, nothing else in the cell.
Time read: 9:16
